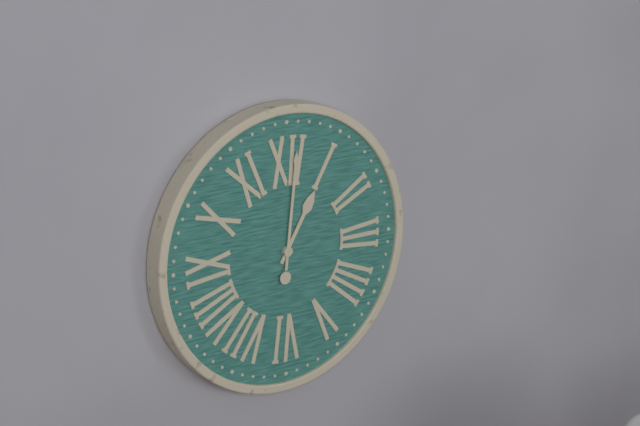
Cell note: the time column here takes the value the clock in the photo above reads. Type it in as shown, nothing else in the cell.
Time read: 1:01
